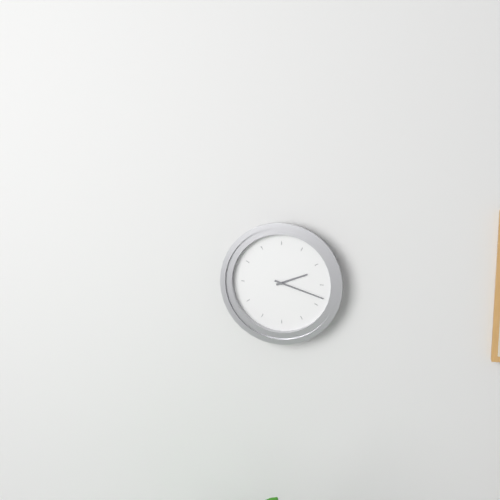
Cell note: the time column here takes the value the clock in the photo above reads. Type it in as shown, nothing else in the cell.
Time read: 2:18
